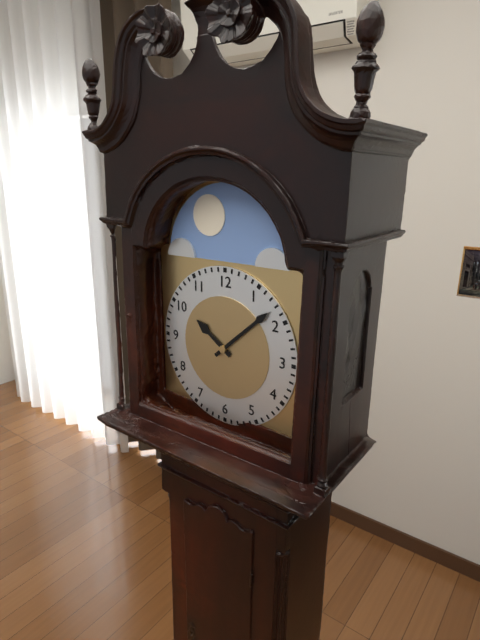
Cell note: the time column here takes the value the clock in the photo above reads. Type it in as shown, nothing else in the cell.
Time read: 10:08
